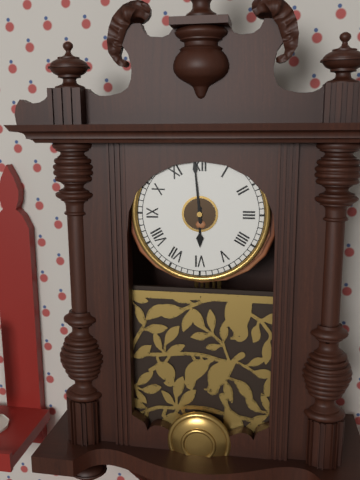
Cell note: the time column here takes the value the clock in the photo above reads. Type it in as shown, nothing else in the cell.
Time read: 5:59
